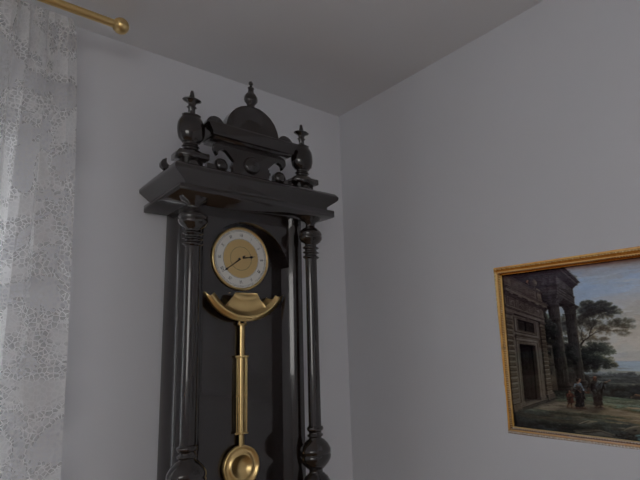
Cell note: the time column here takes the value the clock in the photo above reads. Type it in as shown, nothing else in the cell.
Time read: 2:39
